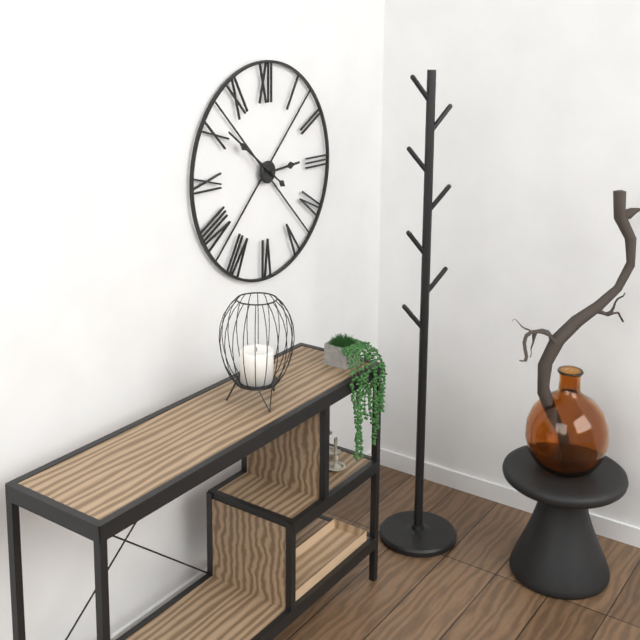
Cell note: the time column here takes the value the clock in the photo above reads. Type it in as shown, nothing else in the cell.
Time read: 2:51
